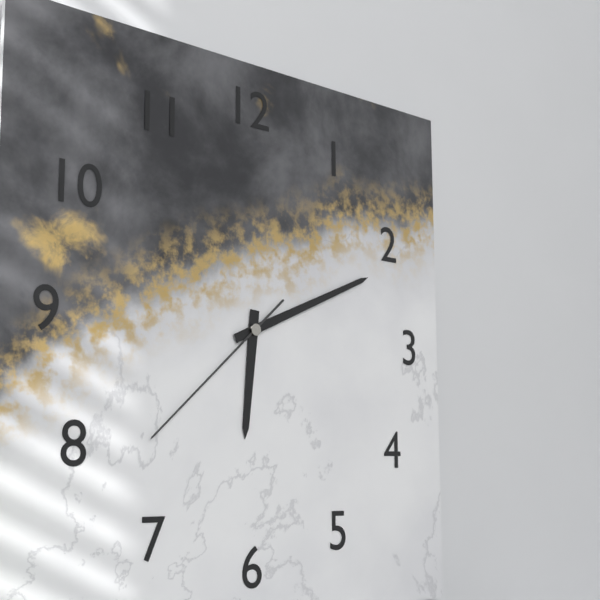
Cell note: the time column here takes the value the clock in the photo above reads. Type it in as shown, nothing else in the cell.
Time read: 6:11:38
